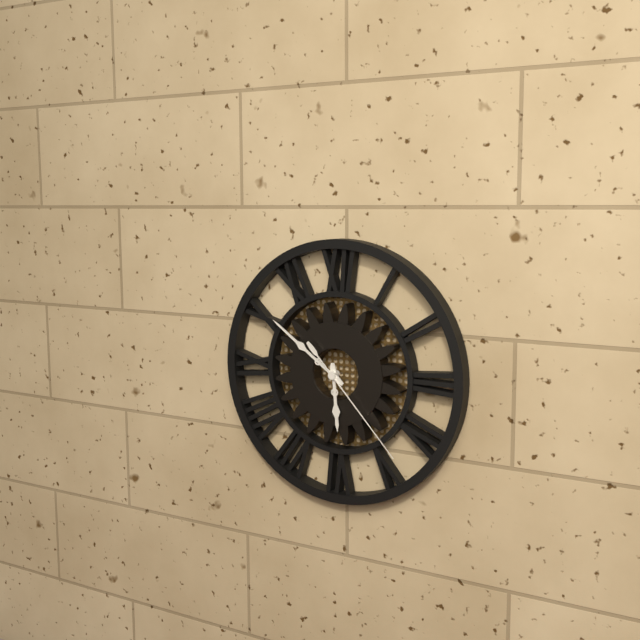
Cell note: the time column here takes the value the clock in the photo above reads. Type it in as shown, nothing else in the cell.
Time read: 5:51:23
